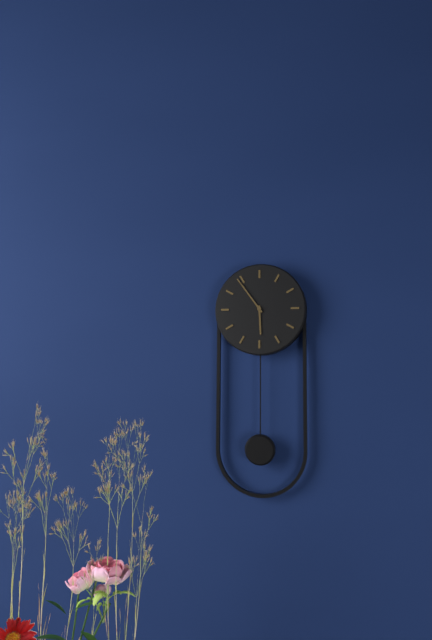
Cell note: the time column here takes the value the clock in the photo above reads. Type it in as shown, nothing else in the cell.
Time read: 5:54
